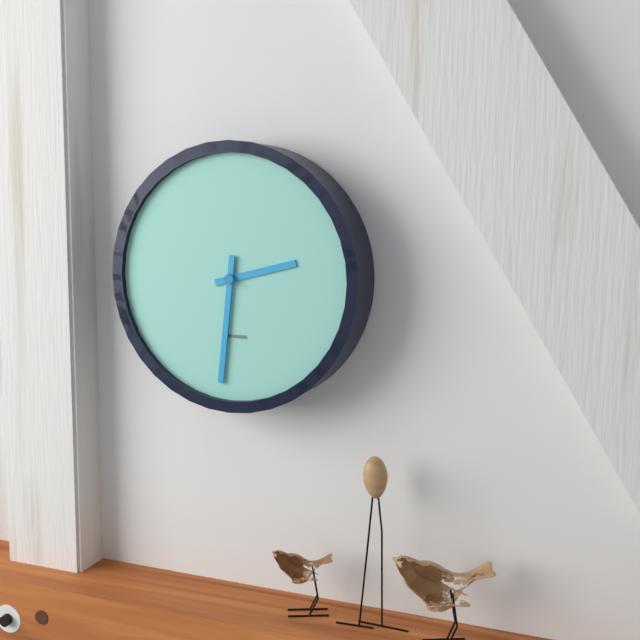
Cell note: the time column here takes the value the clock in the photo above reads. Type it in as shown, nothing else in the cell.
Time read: 2:31
